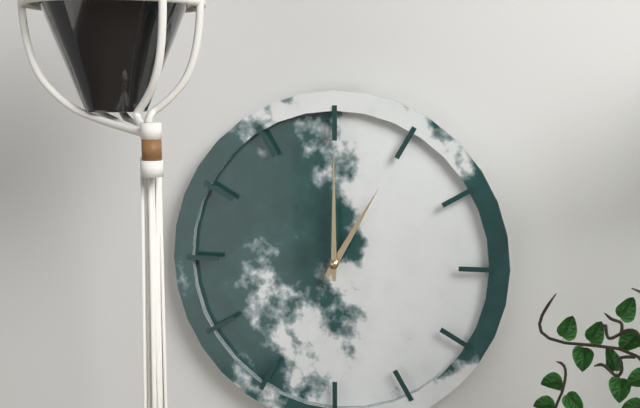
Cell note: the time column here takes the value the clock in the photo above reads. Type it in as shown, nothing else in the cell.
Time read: 1:00
